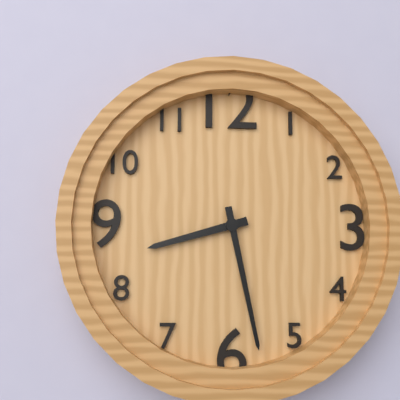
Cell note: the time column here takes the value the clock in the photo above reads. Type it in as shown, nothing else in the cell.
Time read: 8:28
